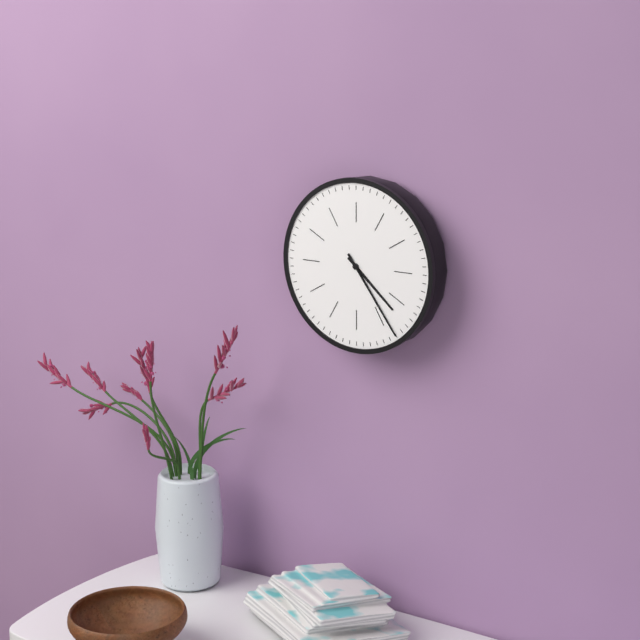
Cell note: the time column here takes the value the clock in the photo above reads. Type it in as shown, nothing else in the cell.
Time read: 4:24
